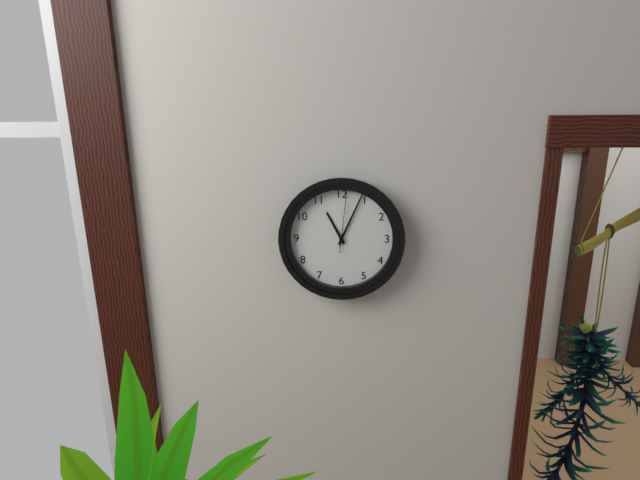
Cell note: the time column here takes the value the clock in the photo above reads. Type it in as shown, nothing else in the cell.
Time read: 11:04:01
